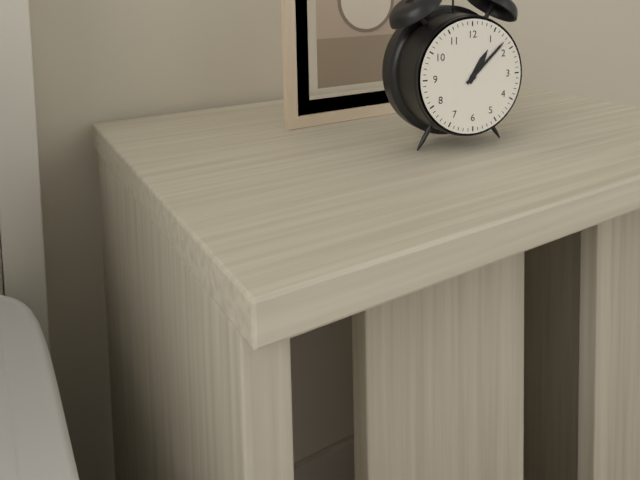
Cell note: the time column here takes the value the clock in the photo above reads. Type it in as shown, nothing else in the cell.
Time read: 1:08
